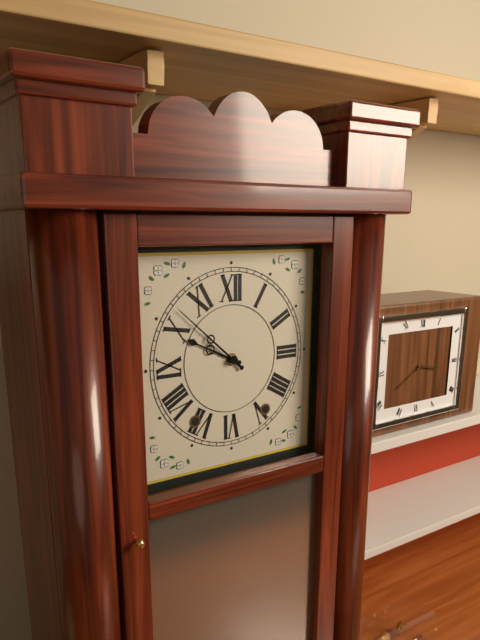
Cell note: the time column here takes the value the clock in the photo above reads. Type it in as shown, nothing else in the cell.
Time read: 9:52
